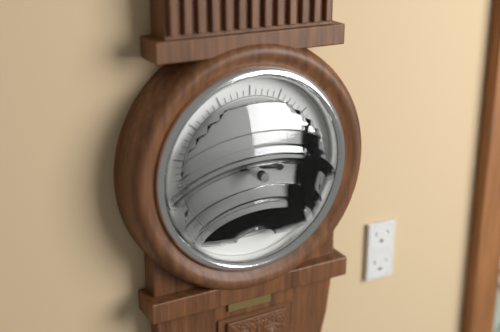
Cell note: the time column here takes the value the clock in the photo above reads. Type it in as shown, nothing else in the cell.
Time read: 3:15
